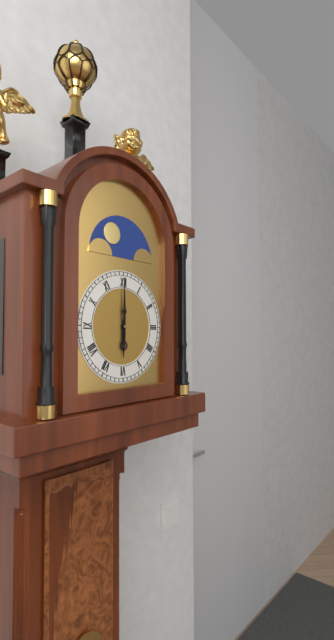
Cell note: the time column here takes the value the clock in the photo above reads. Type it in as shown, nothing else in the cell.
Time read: 6:00
